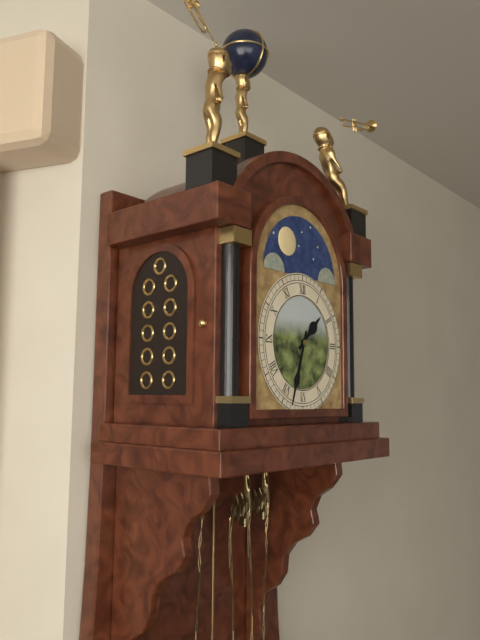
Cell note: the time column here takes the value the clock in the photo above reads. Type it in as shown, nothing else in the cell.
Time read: 1:33
